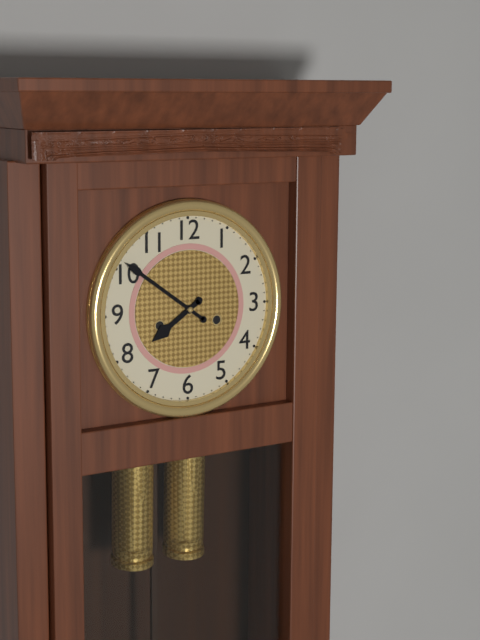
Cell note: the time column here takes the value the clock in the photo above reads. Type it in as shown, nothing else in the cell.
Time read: 7:51
